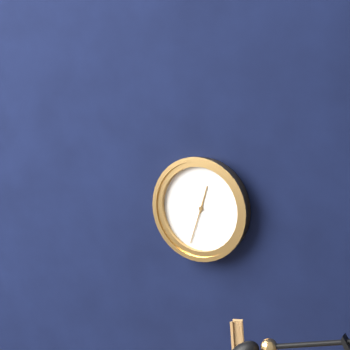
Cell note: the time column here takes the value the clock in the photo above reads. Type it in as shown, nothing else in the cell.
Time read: 12:33
